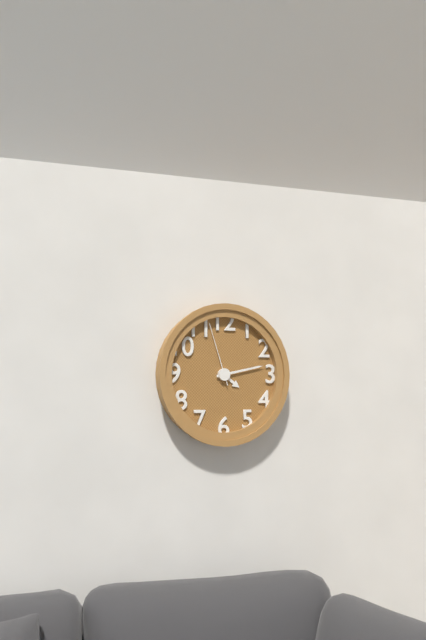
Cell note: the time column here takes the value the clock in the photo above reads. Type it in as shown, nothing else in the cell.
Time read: 4:13:57
